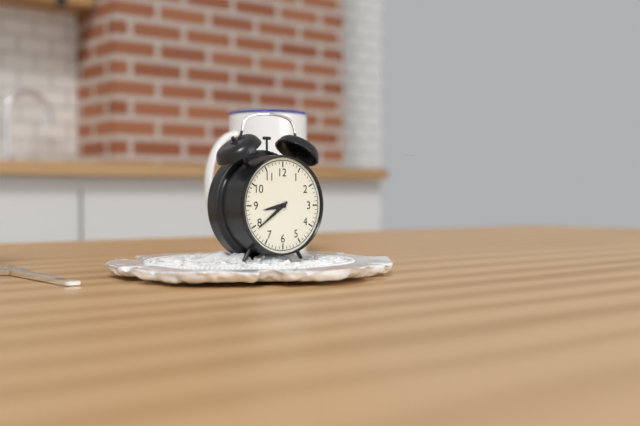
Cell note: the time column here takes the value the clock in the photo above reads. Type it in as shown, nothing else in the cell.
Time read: 8:39
